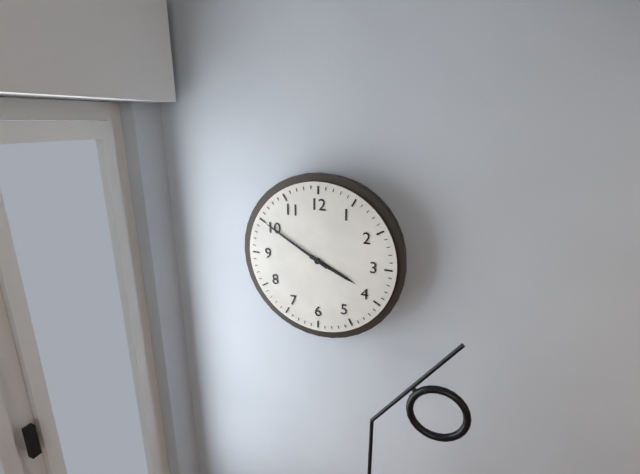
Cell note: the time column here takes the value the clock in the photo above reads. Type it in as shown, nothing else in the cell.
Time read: 3:50
